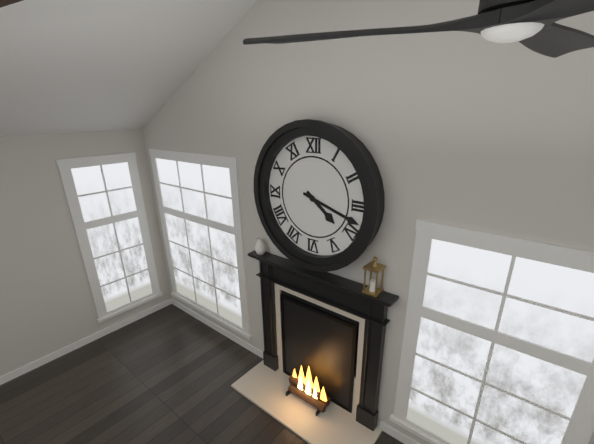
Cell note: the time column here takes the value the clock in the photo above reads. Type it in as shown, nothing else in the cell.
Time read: 4:18
